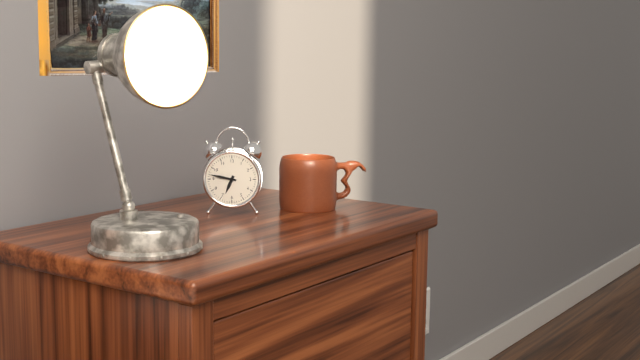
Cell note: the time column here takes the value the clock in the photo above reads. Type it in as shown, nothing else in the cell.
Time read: 6:47
